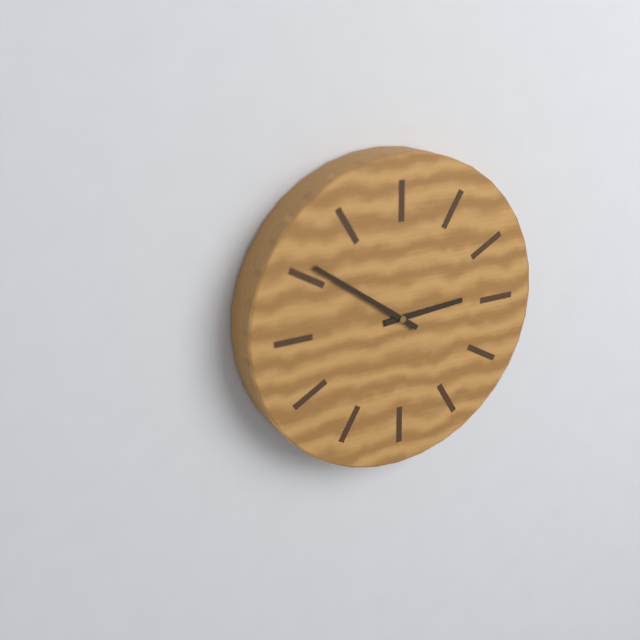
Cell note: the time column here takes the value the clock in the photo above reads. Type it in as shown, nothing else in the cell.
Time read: 2:51
